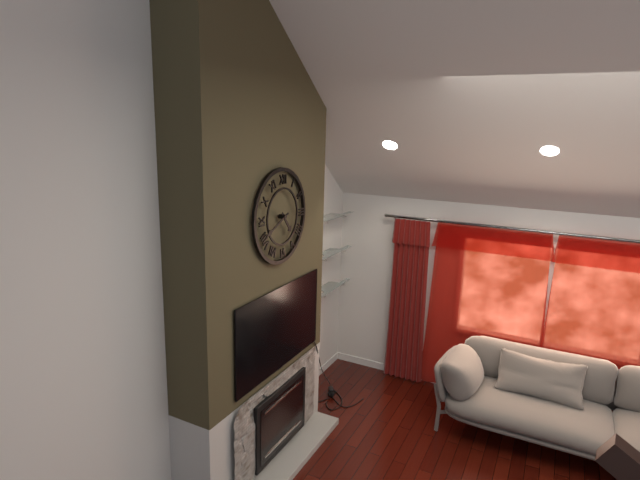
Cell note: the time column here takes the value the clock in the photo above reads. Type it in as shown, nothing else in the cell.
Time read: 4:41
